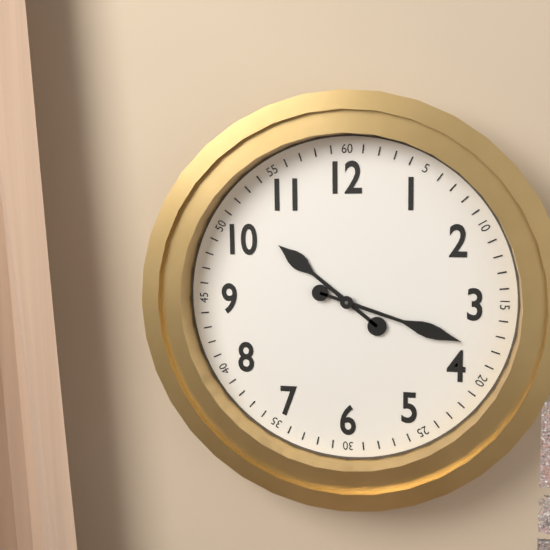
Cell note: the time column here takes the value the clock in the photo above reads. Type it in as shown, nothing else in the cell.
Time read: 10:18
